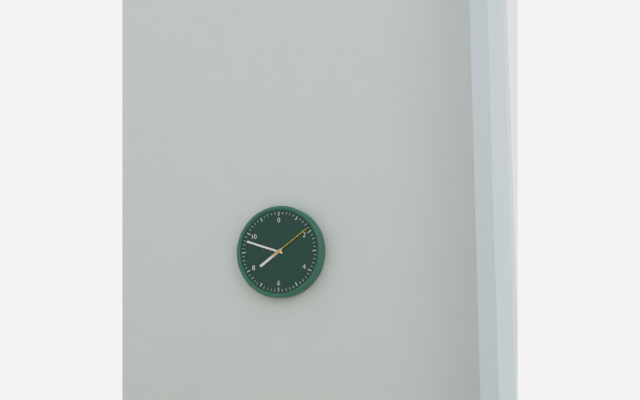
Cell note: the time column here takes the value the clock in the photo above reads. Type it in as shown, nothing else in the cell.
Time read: 7:48
